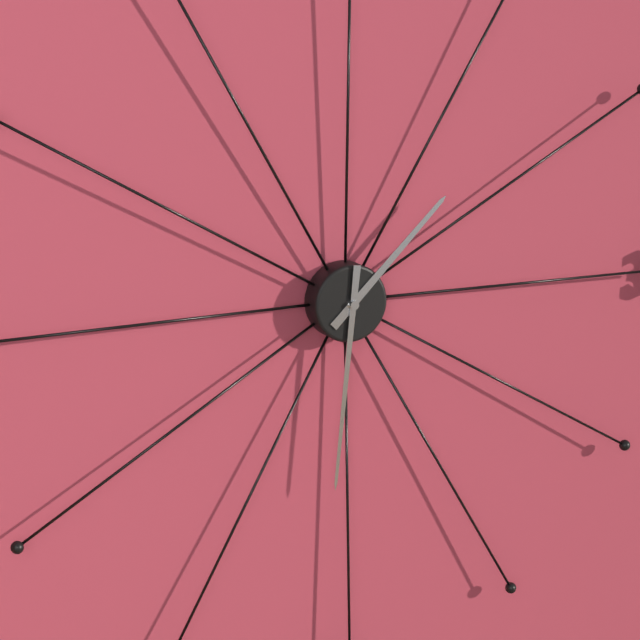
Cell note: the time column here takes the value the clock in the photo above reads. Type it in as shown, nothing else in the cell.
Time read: 1:31
